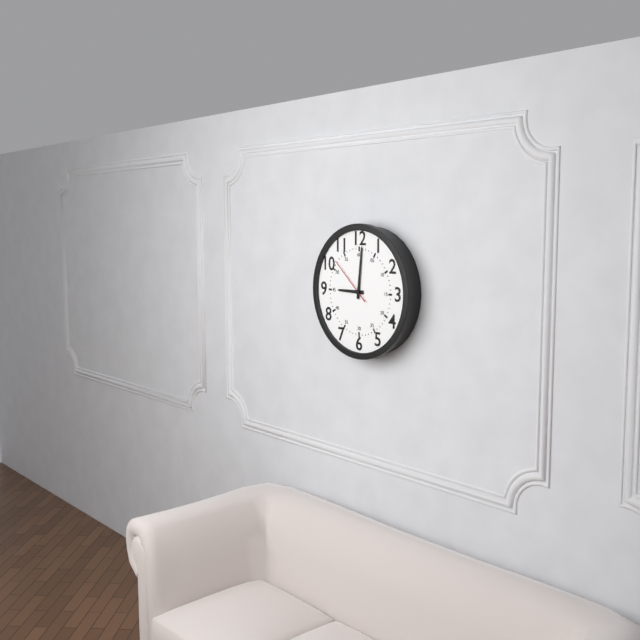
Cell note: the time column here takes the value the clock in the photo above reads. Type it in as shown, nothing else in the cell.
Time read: 9:01
